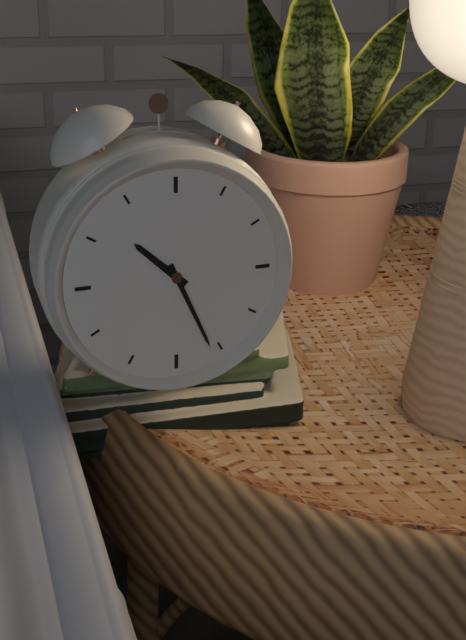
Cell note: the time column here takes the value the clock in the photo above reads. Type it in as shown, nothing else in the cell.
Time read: 10:26
